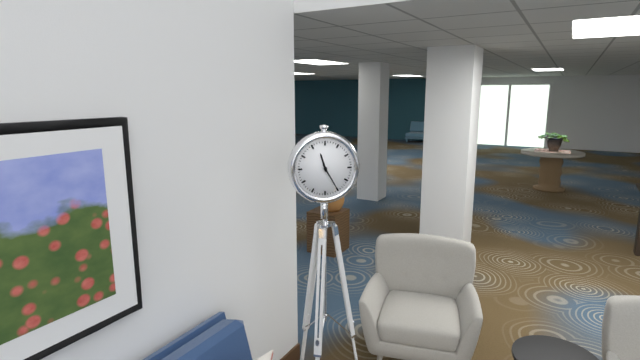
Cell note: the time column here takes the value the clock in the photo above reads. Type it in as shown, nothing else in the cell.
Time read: 11:25
